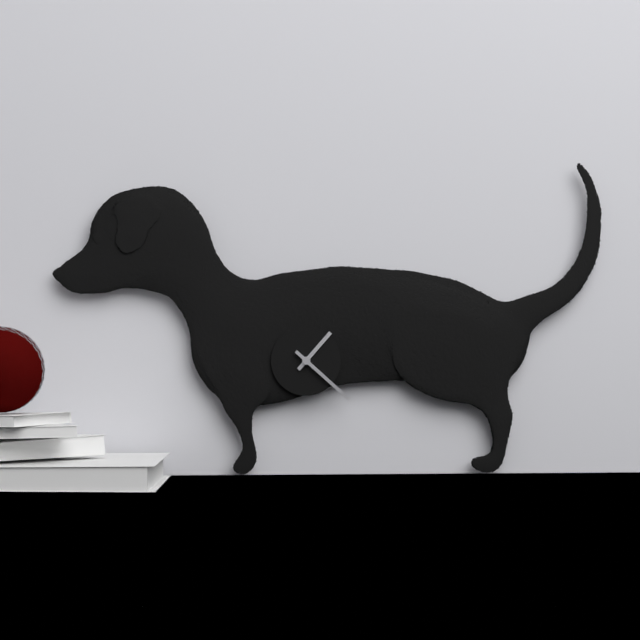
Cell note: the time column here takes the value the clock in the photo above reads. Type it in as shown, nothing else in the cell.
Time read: 1:22
